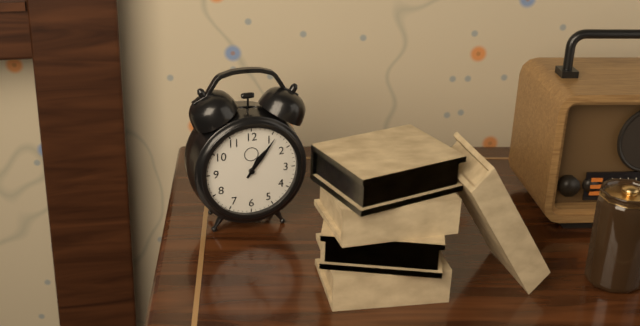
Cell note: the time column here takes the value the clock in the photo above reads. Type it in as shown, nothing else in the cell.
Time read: 1:06
